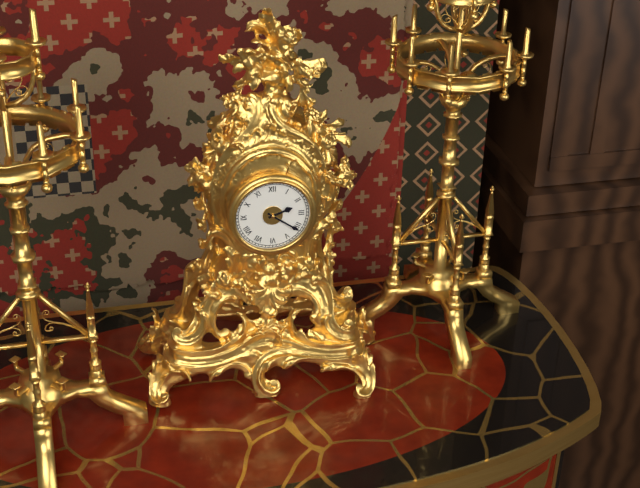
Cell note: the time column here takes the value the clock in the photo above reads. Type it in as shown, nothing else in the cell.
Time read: 2:21
